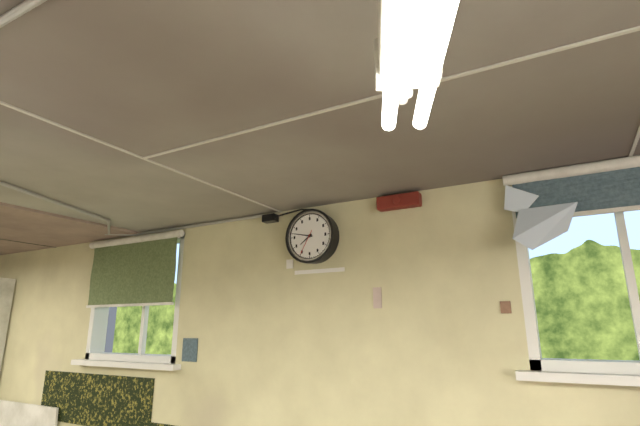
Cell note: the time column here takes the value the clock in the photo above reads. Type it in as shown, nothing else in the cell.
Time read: 7:47
